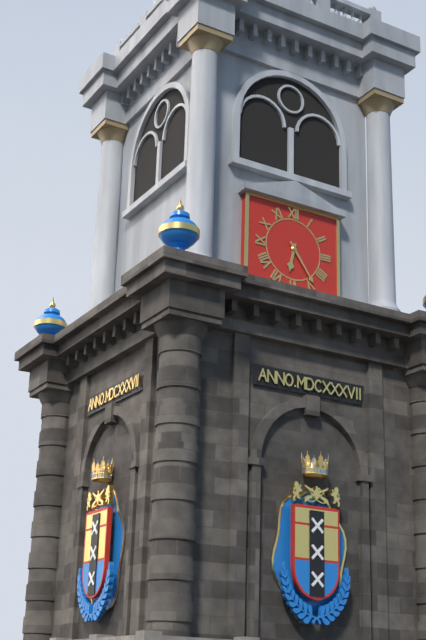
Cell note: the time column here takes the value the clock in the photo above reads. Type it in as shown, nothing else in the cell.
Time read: 6:24
